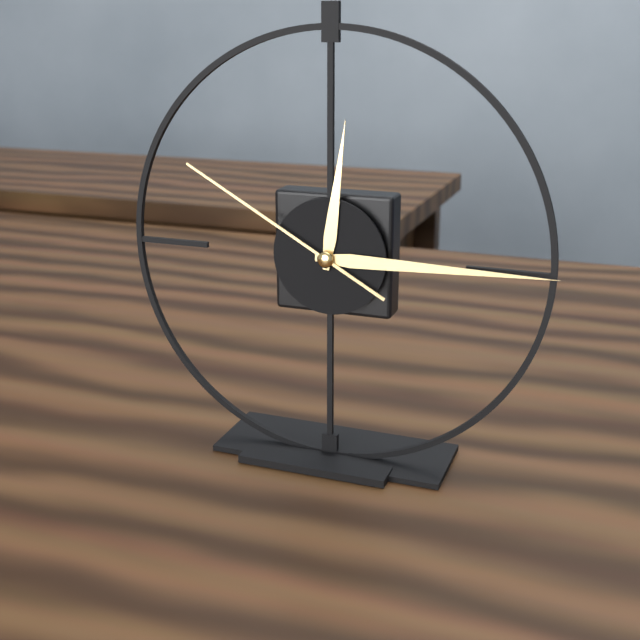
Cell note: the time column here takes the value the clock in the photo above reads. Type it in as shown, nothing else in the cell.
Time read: 12:15:50
